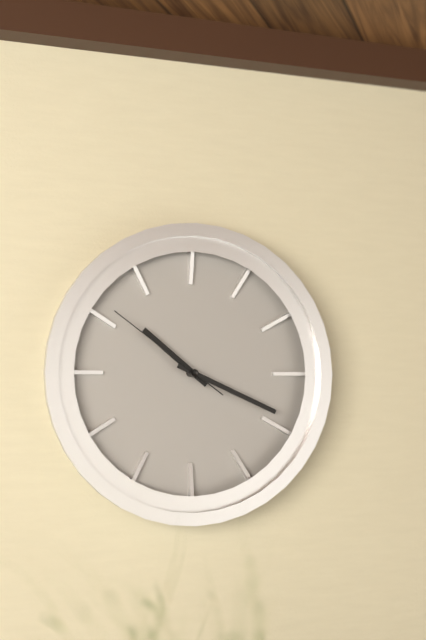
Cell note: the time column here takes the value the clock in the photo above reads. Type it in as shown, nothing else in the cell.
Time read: 10:19:51
